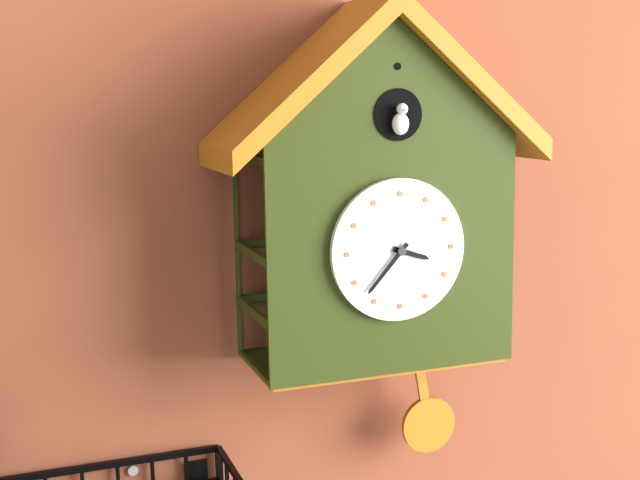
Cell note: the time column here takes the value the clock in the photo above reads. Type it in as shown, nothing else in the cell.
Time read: 3:37
